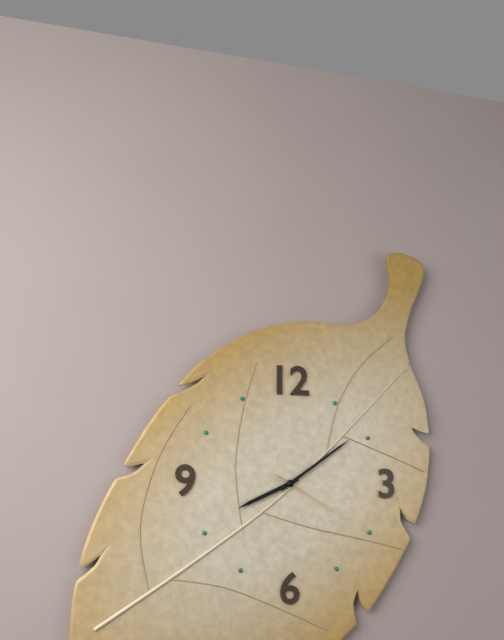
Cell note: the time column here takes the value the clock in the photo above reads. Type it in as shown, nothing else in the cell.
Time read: 8:09:20
